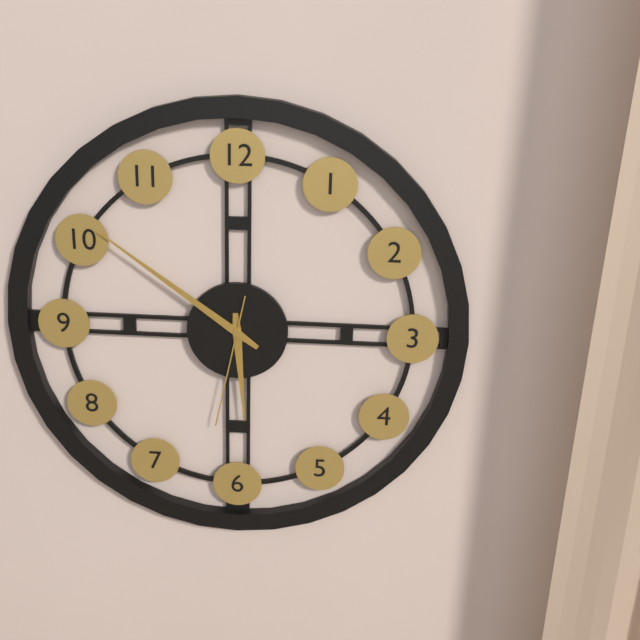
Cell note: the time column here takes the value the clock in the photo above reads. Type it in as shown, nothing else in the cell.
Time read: 5:51:32
